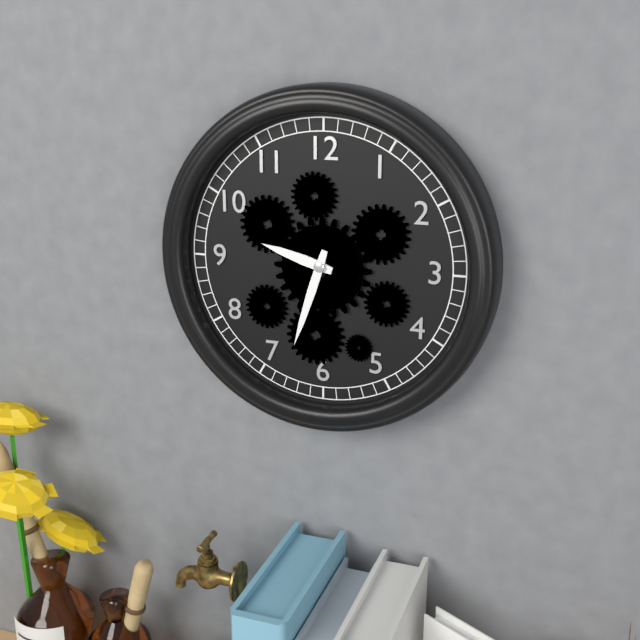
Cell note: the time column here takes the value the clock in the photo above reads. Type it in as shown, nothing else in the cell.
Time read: 9:33
